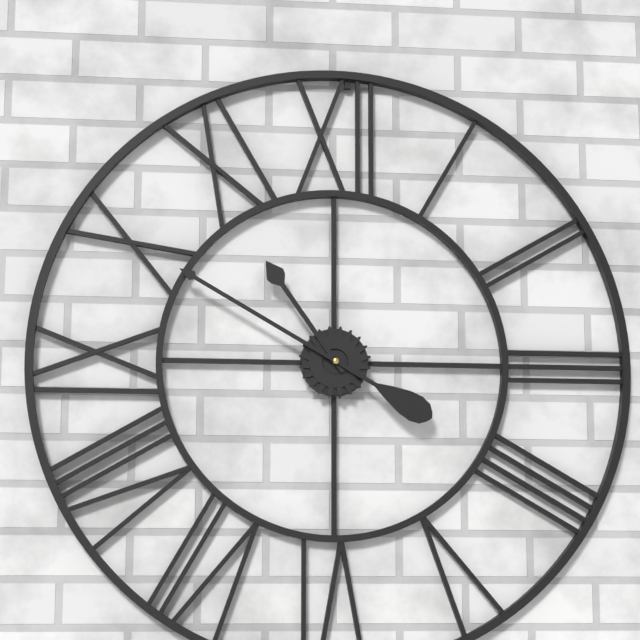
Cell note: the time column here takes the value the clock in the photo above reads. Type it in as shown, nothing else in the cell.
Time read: 10:50
